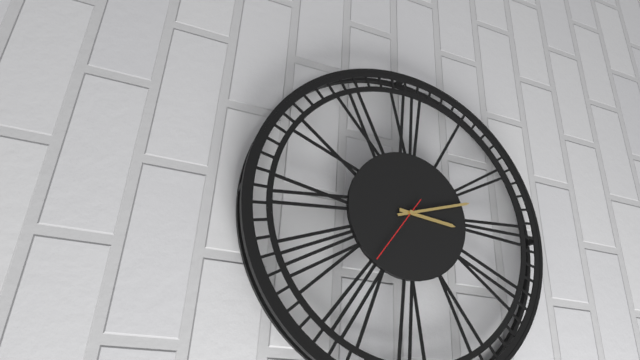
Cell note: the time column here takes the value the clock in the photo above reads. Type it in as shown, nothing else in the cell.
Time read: 3:12:36
